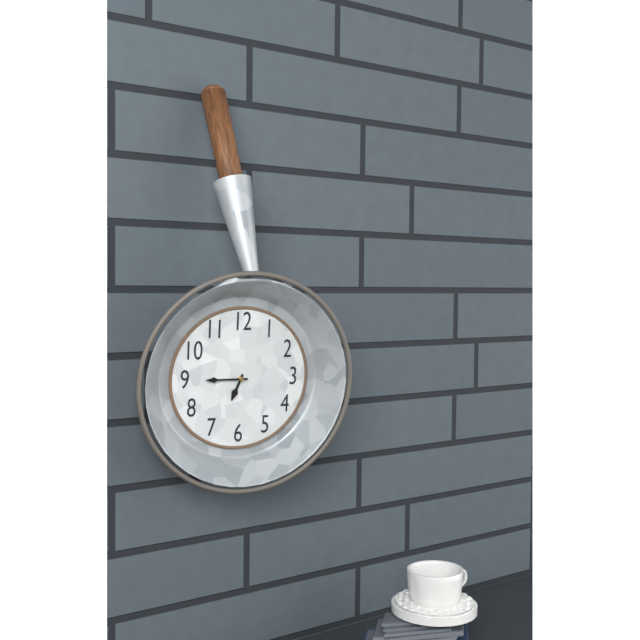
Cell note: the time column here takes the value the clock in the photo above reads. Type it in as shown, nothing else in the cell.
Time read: 6:45
